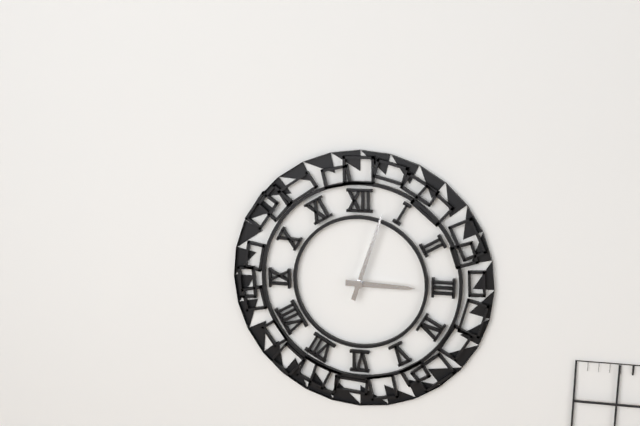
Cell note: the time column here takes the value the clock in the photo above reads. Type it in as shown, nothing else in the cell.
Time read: 3:03
